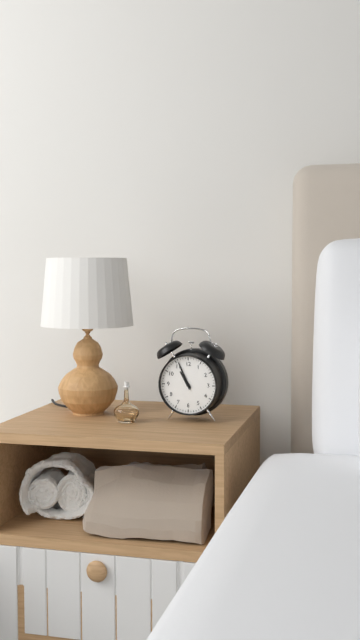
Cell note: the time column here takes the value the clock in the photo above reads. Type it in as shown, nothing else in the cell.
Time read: 10:56
